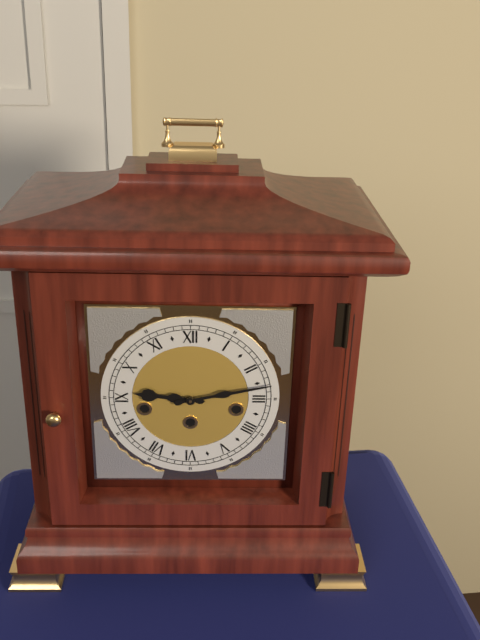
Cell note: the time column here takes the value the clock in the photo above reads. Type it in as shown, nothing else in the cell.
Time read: 9:13
